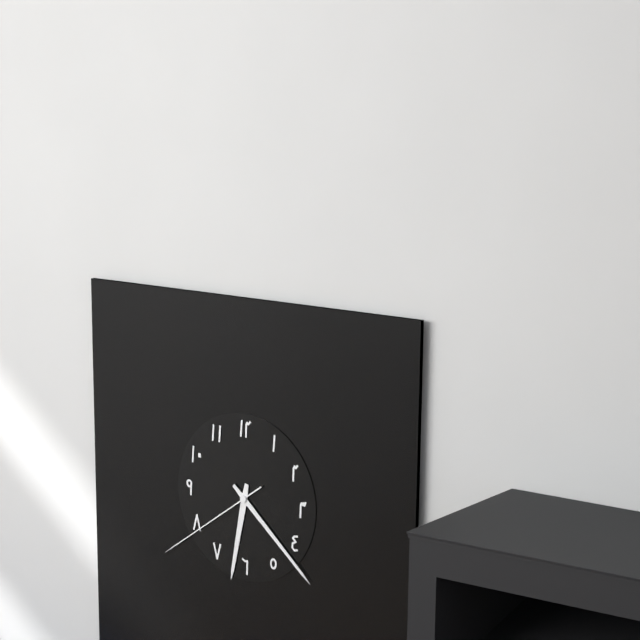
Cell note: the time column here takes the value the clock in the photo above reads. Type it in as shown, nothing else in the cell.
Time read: 6:22:39
